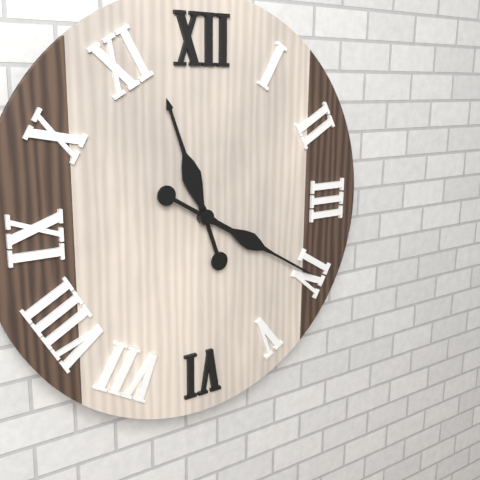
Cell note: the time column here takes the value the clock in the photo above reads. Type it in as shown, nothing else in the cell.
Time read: 11:20
